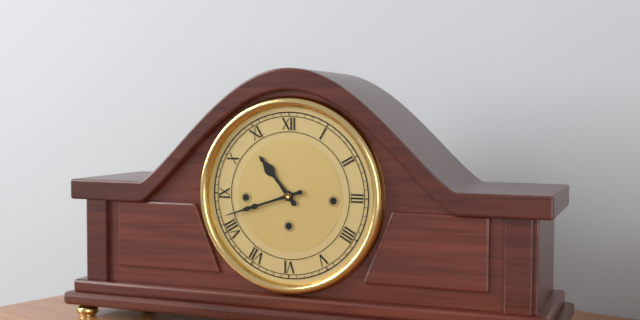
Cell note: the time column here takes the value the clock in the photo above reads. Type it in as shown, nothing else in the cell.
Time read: 10:42
